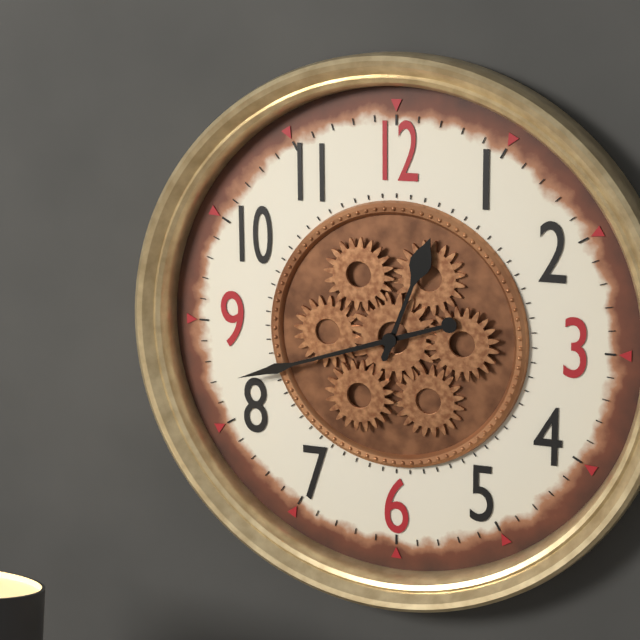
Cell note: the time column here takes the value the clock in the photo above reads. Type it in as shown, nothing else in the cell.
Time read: 12:42
